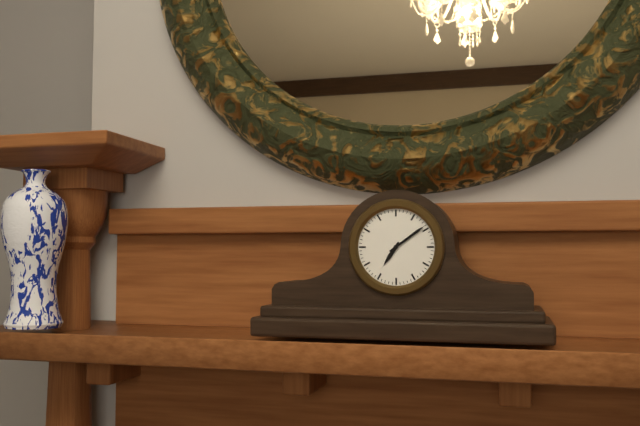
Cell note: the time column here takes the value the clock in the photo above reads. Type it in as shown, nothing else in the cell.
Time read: 7:09
